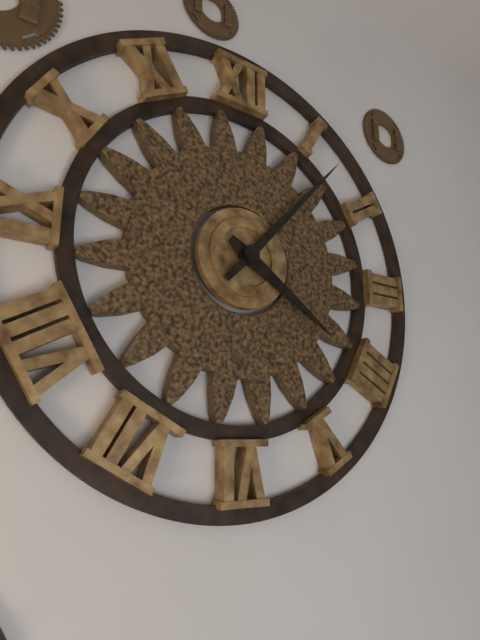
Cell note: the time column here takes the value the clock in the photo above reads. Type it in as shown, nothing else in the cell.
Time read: 4:07
